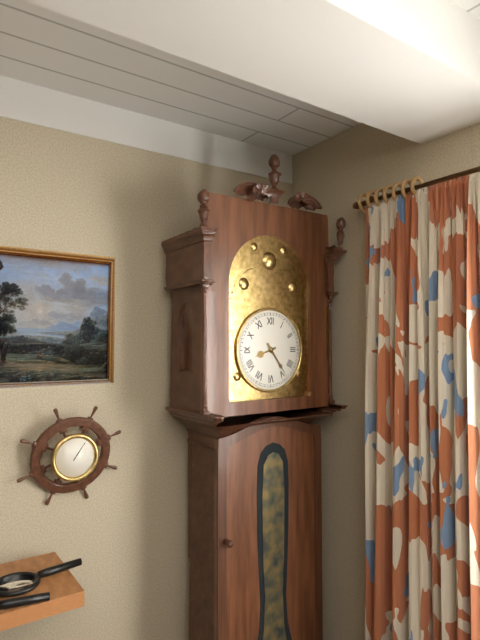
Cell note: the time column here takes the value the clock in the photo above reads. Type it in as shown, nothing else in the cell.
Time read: 8:24
